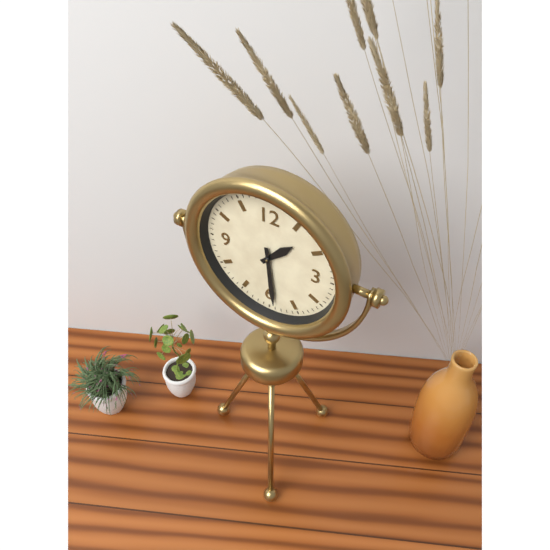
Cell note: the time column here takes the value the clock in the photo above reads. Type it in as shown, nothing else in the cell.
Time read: 1:29
